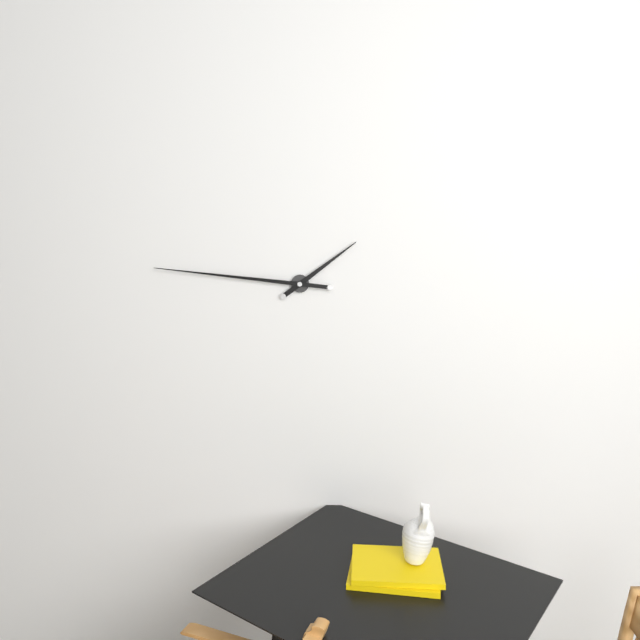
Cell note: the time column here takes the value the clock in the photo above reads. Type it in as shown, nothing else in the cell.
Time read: 1:46
